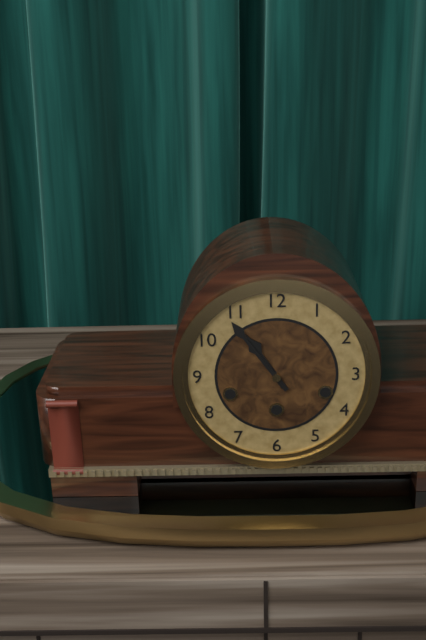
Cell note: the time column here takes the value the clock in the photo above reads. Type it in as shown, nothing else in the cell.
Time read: 10:54
